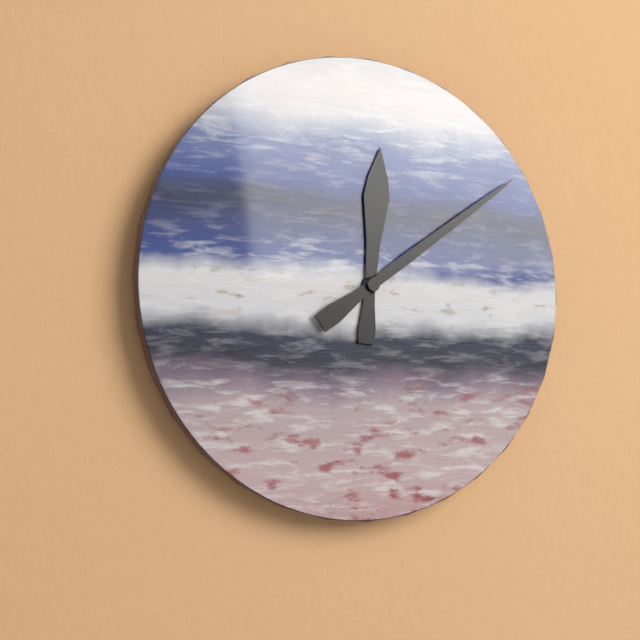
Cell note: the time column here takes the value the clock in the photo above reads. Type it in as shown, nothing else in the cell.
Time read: 12:09
